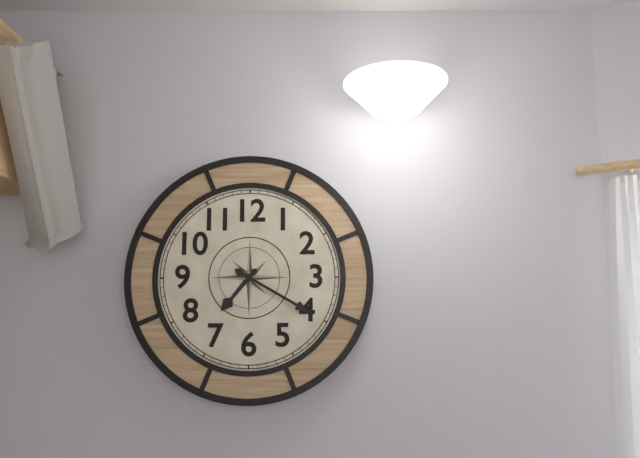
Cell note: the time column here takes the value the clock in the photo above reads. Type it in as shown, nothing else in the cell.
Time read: 7:20
